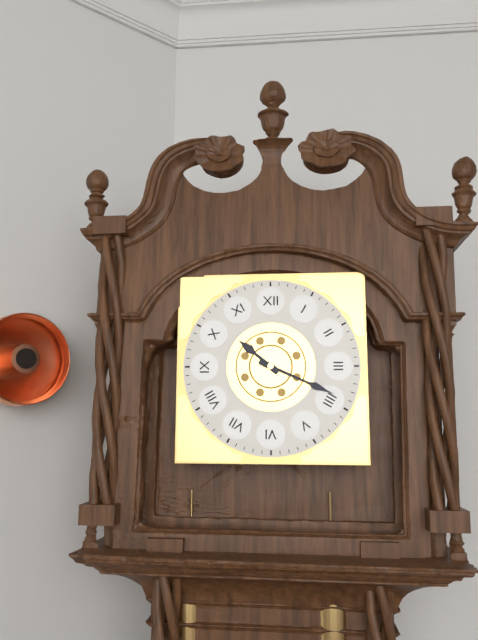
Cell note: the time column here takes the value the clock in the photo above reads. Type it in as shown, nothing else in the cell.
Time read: 10:19
